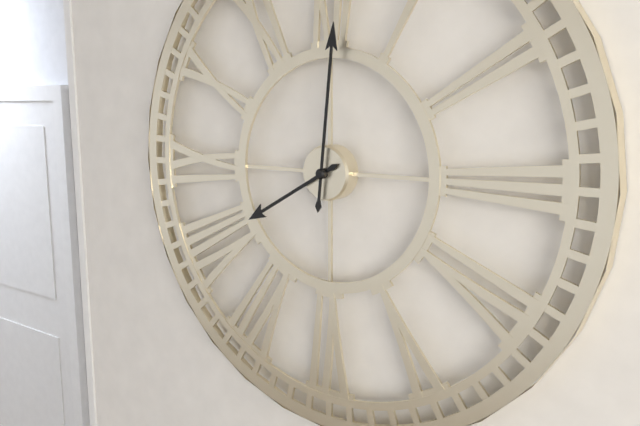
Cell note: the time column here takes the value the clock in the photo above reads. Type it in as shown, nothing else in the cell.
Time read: 8:01
